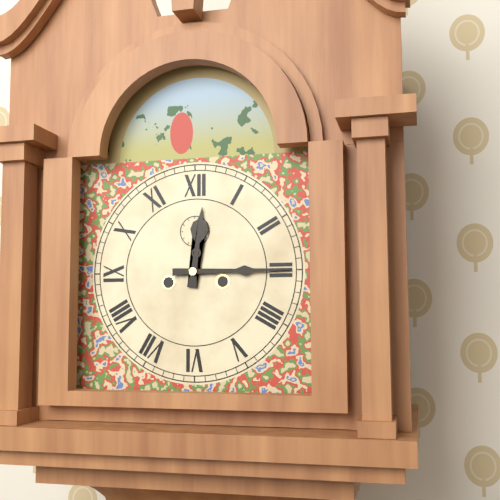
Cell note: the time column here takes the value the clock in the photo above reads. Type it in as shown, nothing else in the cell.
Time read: 12:15
